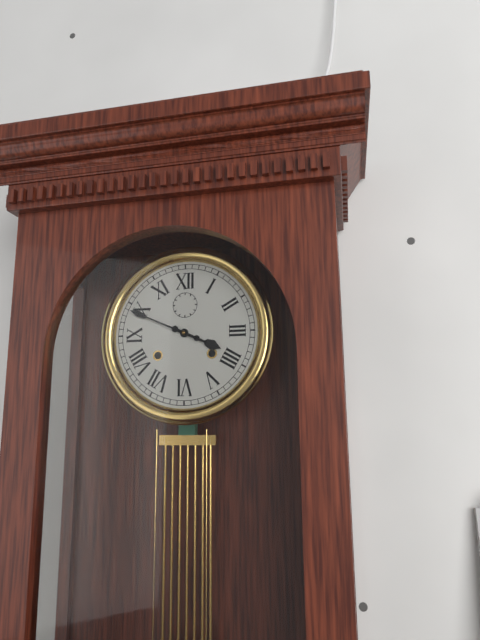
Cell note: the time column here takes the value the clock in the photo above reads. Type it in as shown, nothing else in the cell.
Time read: 3:49
